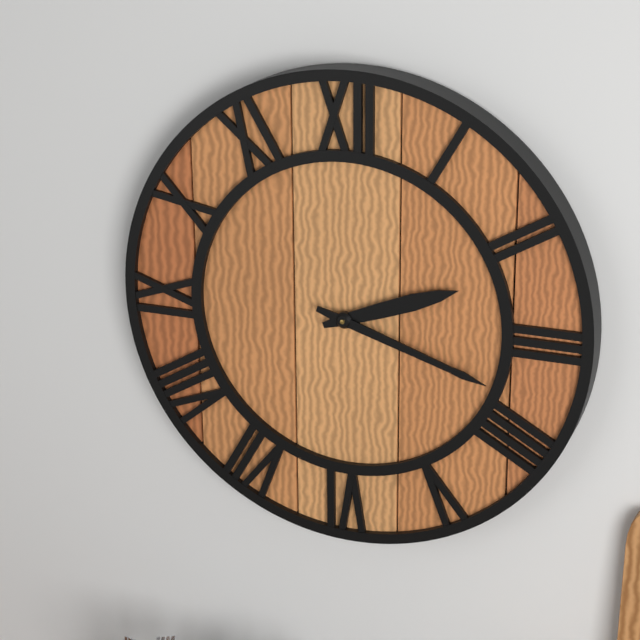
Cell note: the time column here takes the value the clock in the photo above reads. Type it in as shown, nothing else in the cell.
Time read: 2:18
